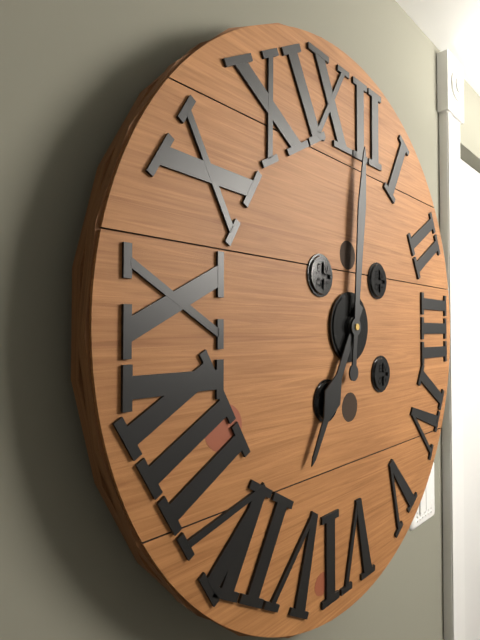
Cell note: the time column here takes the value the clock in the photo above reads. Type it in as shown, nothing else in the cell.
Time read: 7:01
